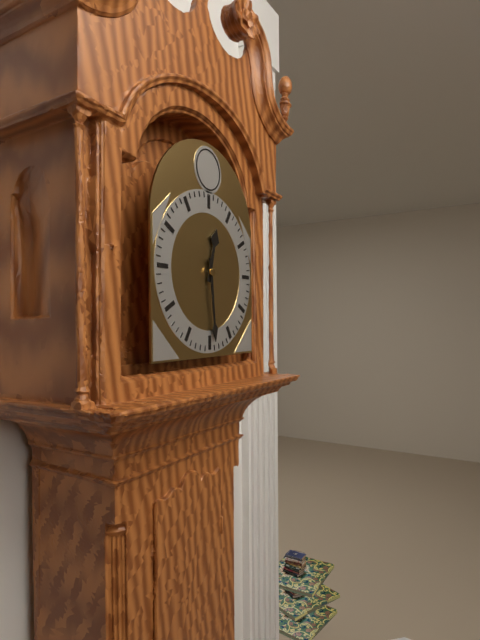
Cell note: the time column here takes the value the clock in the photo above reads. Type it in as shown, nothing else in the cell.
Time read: 12:29
